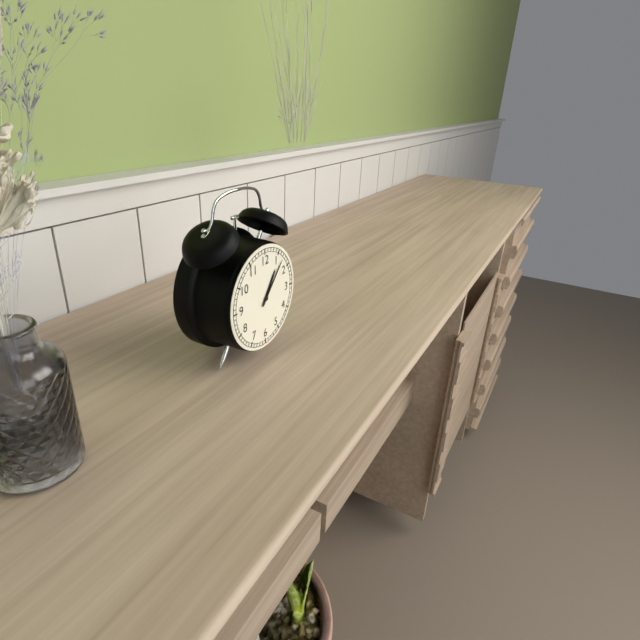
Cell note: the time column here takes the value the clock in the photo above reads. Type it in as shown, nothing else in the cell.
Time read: 1:07
